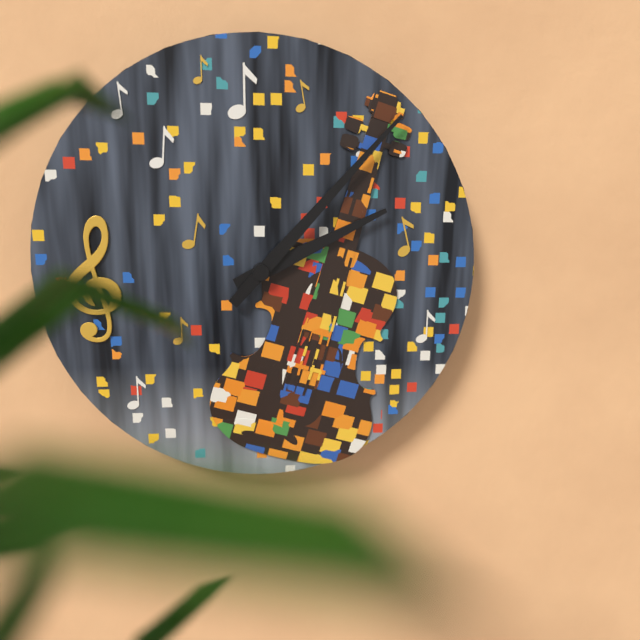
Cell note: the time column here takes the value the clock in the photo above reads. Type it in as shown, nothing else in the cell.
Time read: 2:07
